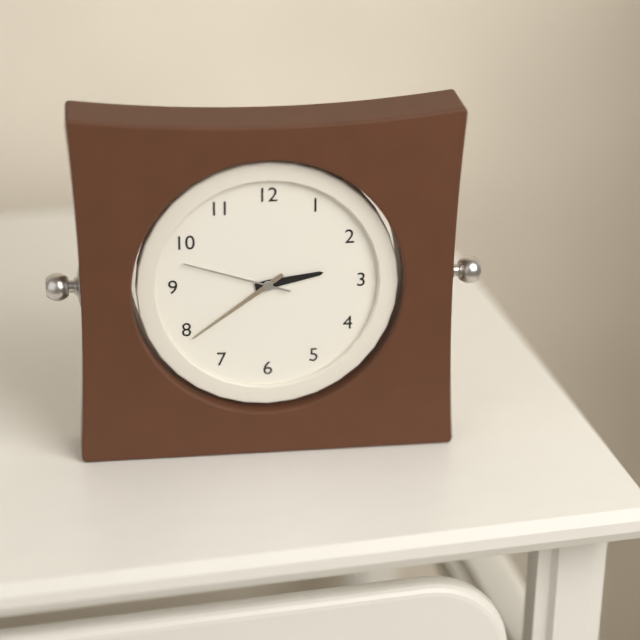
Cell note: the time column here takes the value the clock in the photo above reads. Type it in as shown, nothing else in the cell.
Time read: 2:39:48
